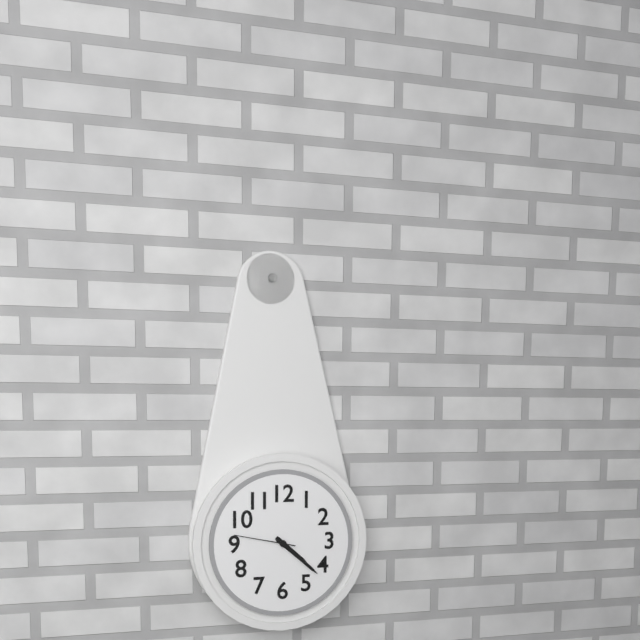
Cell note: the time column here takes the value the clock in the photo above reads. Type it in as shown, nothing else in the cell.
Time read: 4:22:47
